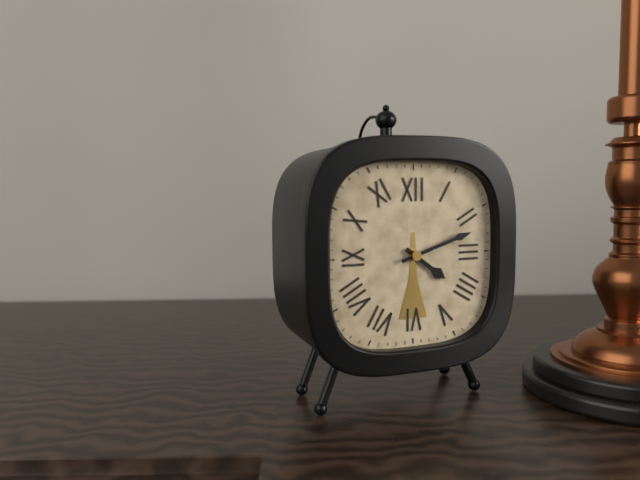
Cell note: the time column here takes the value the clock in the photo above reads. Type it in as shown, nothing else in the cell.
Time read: 4:12
